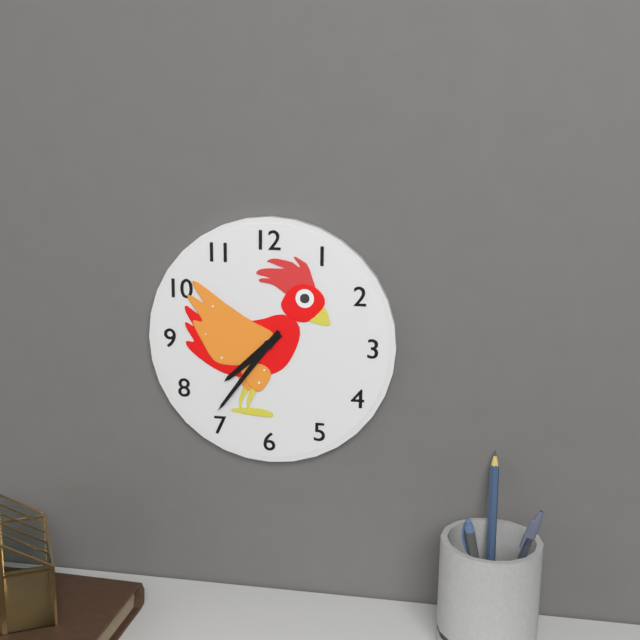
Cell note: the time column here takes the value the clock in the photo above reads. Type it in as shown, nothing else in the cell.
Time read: 7:36
